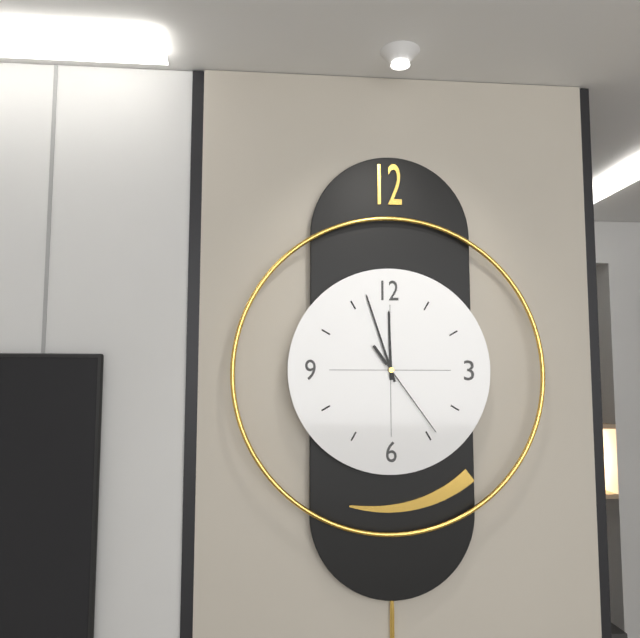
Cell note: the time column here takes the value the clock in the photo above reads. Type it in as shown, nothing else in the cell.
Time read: 11:57:24
